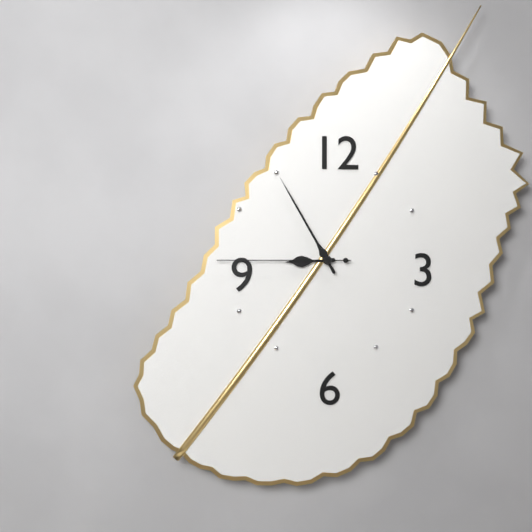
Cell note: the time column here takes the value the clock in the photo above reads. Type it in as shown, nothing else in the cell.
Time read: 8:55:45
